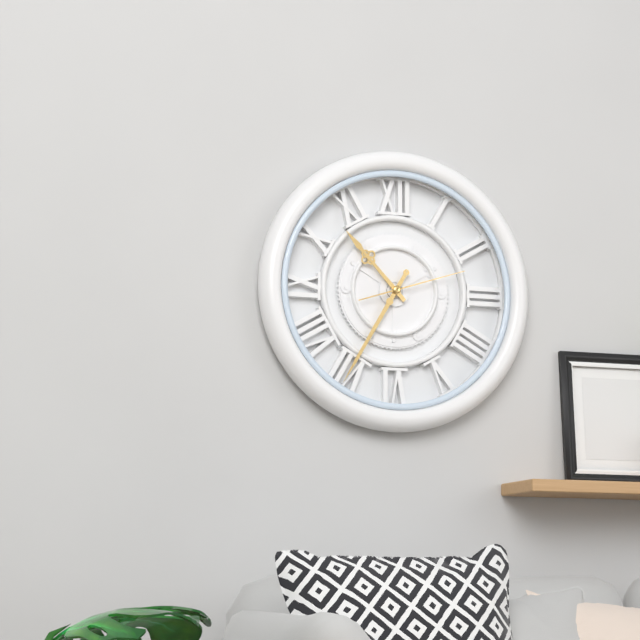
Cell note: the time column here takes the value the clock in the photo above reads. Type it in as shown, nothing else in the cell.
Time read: 10:35:12
